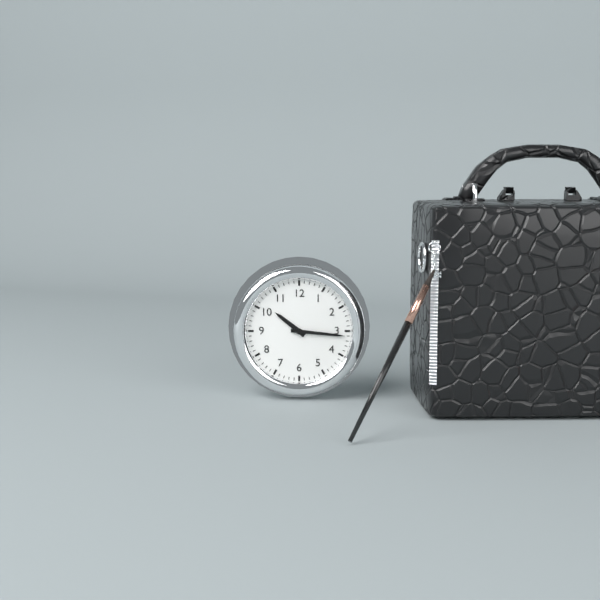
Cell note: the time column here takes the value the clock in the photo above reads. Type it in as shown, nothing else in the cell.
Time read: 10:16
